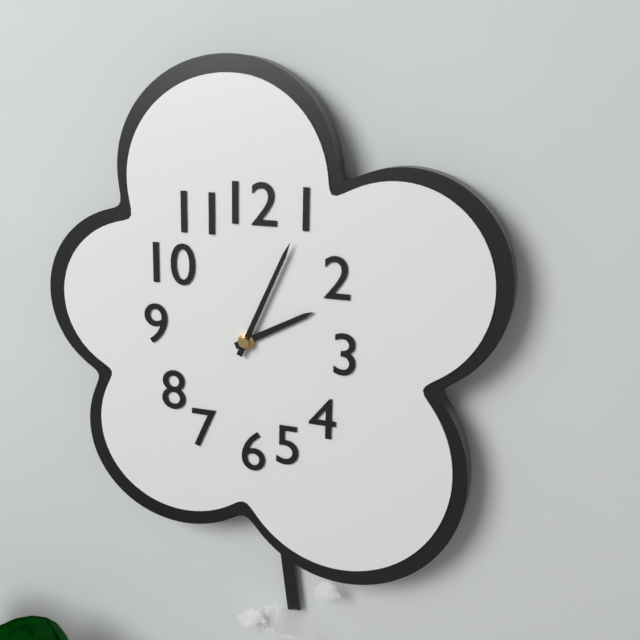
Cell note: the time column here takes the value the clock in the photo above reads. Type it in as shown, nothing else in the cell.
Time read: 2:04
